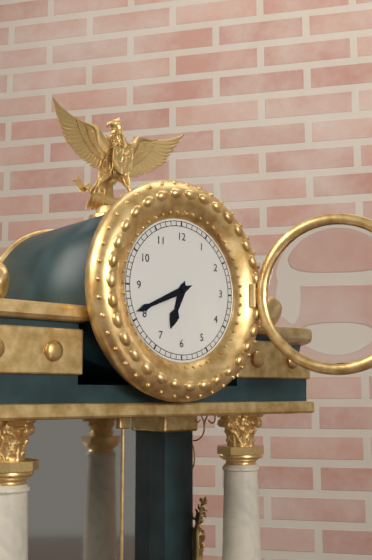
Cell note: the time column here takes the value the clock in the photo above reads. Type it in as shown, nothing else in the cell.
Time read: 6:41
